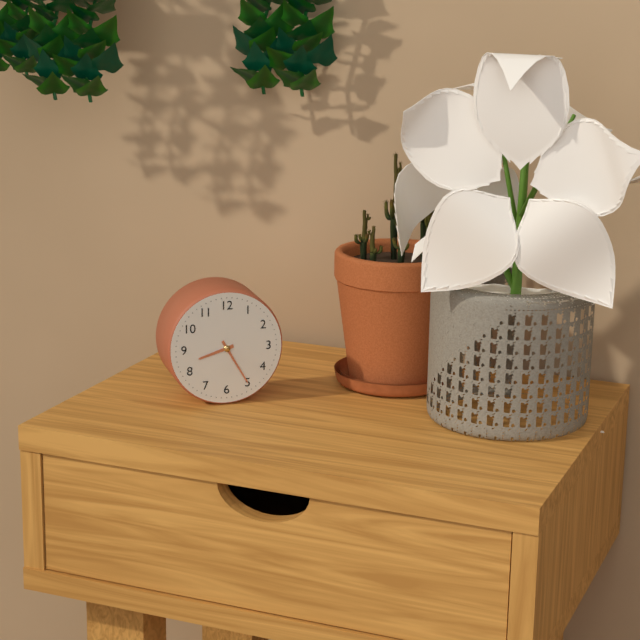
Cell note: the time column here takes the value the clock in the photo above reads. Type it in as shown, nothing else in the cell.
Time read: 8:25
